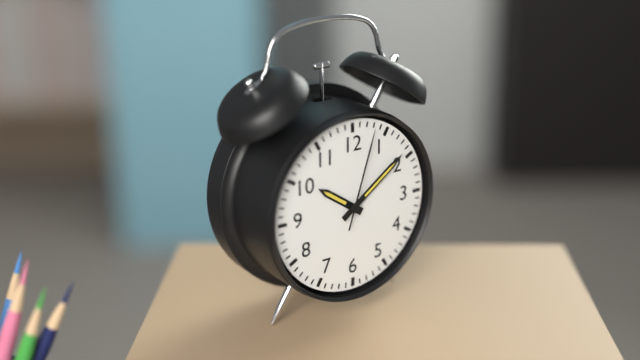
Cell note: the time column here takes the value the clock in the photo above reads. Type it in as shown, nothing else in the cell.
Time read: 10:09:03
